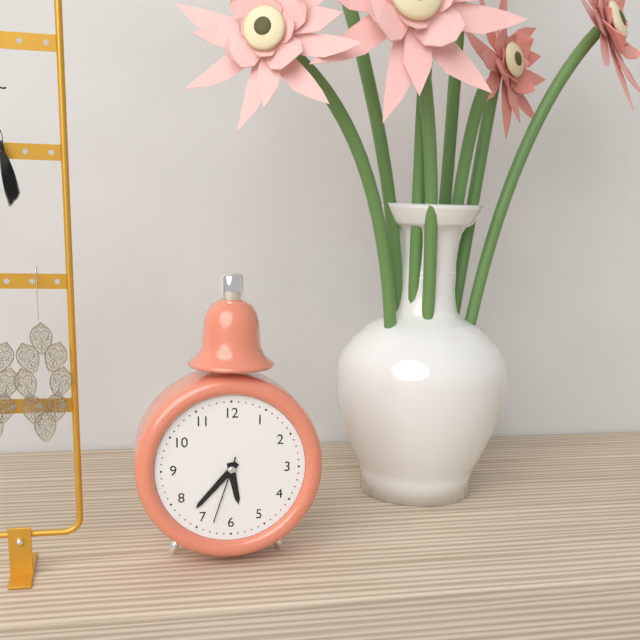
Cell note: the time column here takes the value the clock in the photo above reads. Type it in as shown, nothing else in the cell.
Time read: 5:37:33
